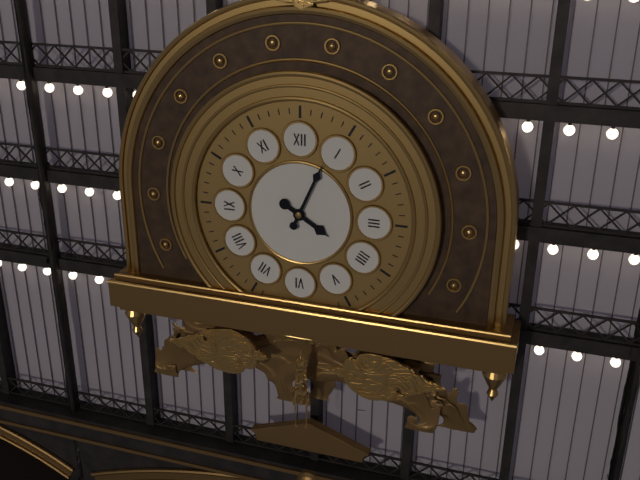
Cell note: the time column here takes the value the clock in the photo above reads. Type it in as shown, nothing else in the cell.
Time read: 4:04
